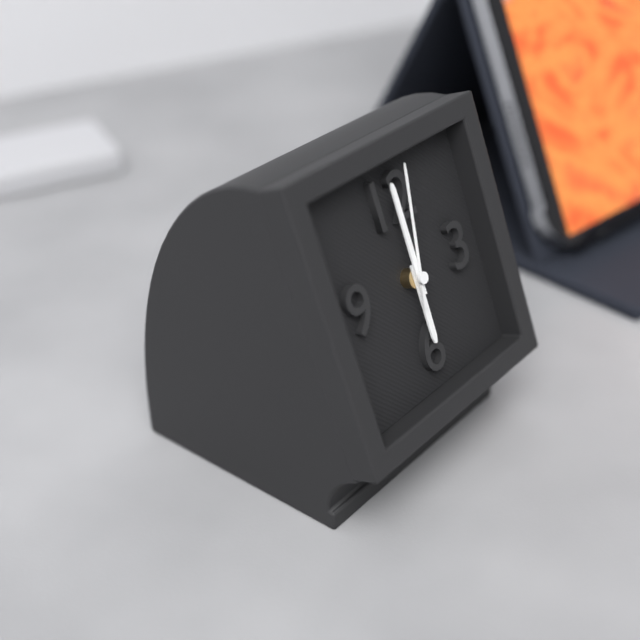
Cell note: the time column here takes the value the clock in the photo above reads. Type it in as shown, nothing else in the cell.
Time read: 6:00:02
